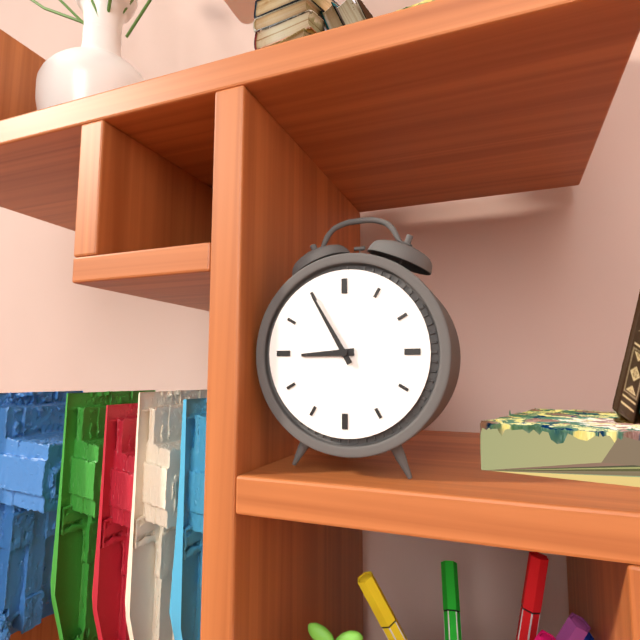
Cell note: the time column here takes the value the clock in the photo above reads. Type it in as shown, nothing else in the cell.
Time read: 8:55
